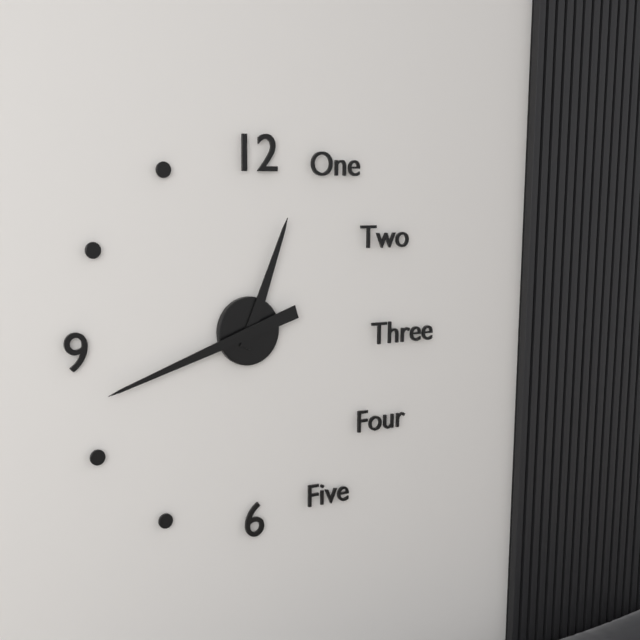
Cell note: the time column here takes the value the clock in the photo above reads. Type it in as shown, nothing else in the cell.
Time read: 12:42
